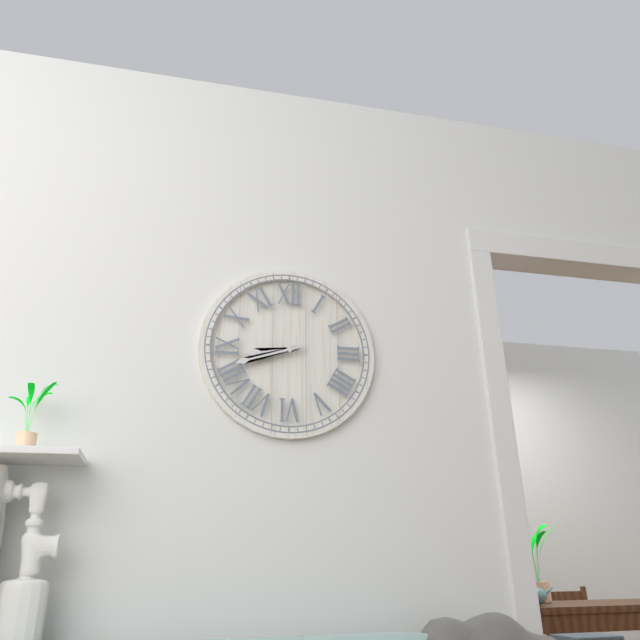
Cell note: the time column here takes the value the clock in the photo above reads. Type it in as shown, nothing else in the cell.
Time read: 8:42
